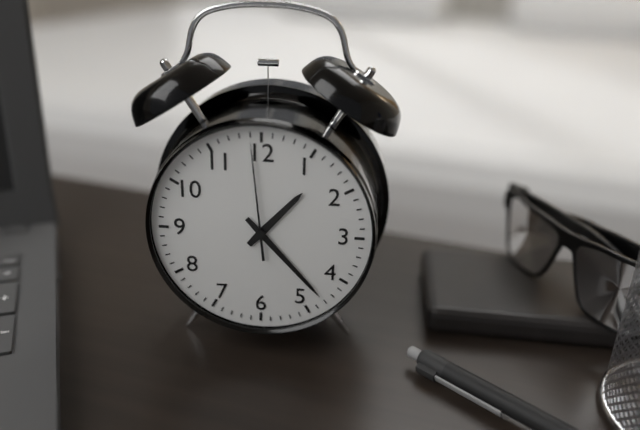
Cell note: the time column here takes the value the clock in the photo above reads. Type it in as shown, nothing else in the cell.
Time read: 1:23:59
